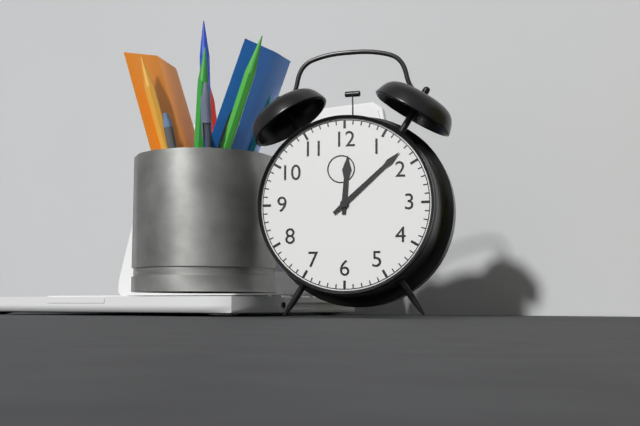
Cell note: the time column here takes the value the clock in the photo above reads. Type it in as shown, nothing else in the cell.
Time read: 12:08
